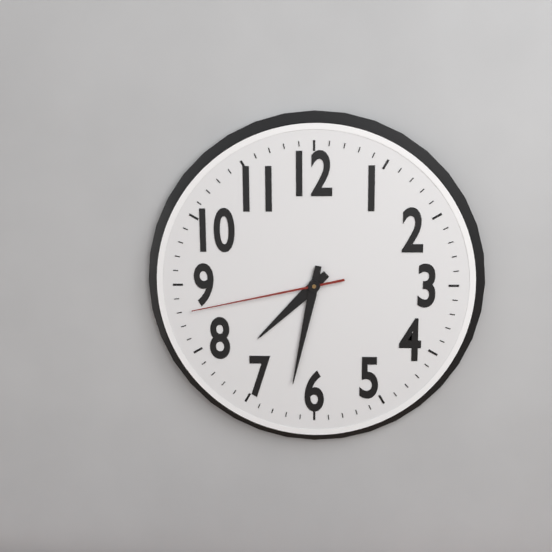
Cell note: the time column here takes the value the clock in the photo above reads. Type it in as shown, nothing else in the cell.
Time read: 7:32:43
